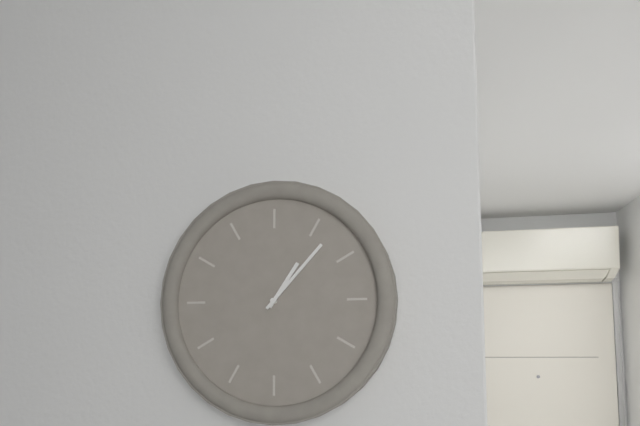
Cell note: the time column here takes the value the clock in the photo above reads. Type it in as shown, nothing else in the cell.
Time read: 1:07
